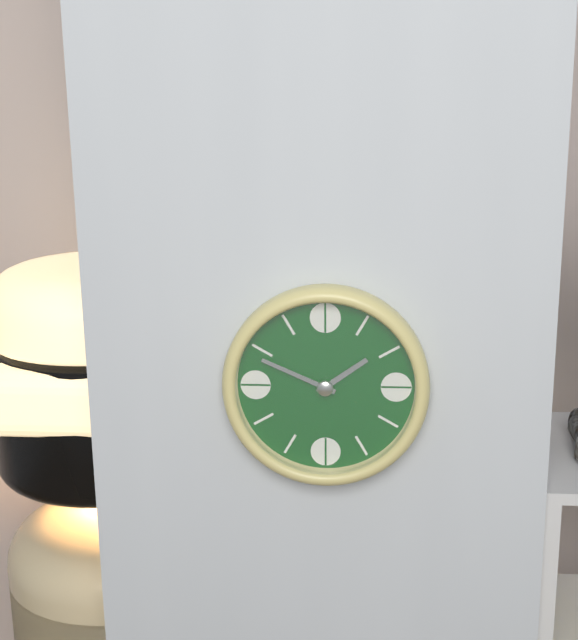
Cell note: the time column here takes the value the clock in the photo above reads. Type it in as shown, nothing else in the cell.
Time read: 1:49
